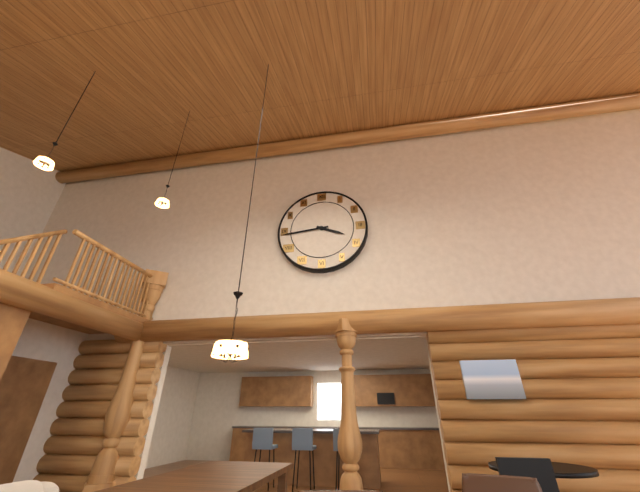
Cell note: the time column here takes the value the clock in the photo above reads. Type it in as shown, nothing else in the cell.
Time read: 3:44
